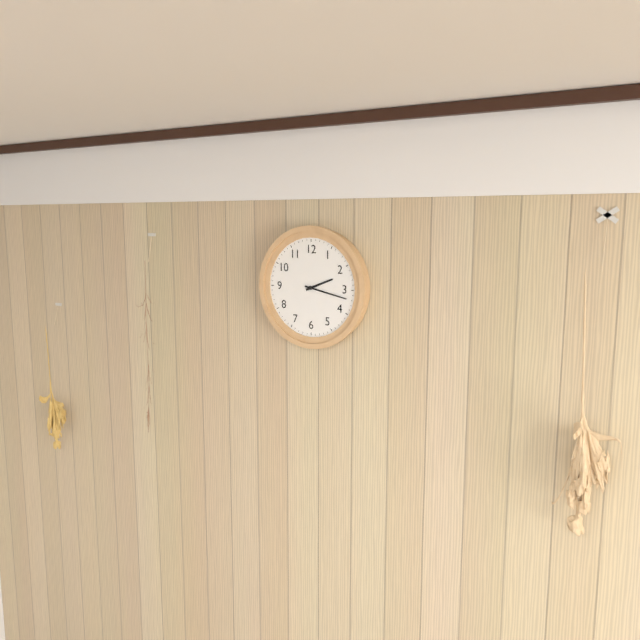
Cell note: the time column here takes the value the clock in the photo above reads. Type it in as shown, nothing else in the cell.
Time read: 2:17
